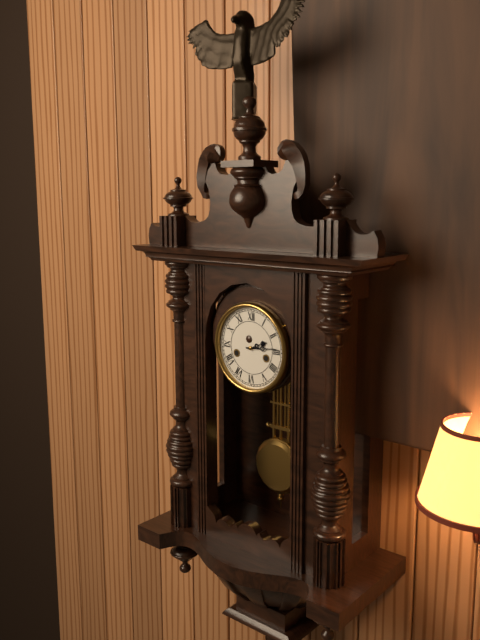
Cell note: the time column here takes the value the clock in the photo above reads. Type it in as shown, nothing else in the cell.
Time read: 2:14
